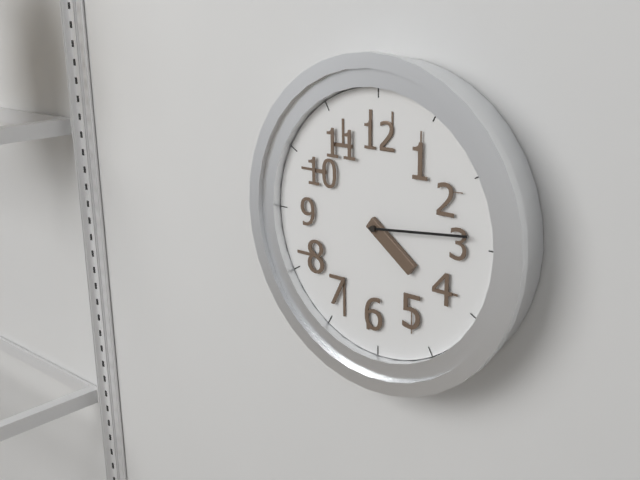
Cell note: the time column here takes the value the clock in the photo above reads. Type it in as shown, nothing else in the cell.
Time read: 4:14
